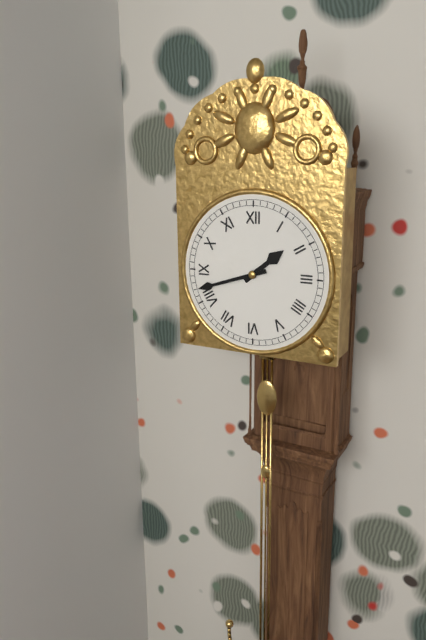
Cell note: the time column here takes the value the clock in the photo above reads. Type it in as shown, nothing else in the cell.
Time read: 1:42
